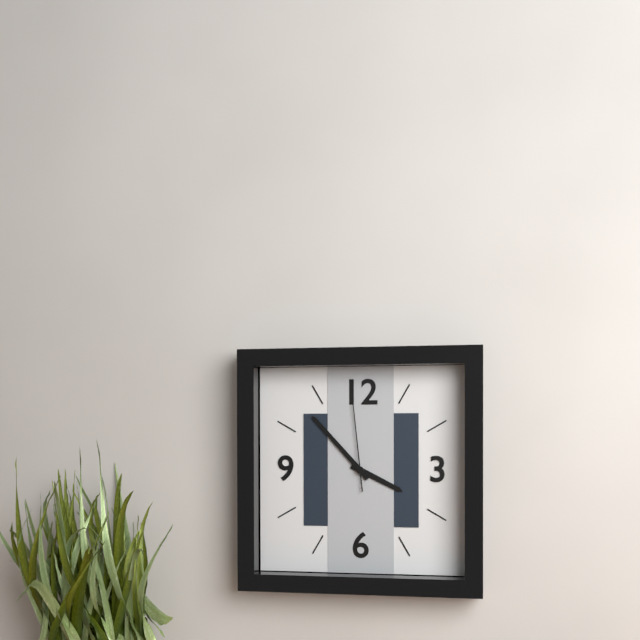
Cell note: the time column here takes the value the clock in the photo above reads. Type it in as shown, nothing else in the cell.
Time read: 3:53:59
